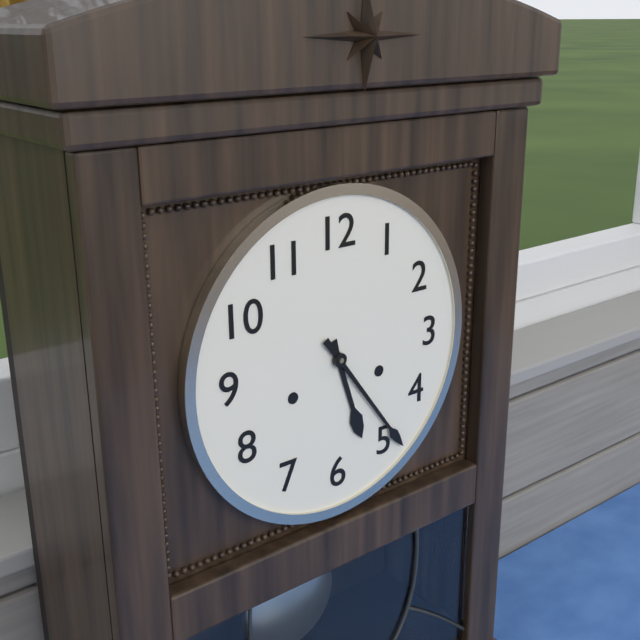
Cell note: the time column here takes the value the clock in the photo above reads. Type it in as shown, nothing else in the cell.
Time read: 5:24
